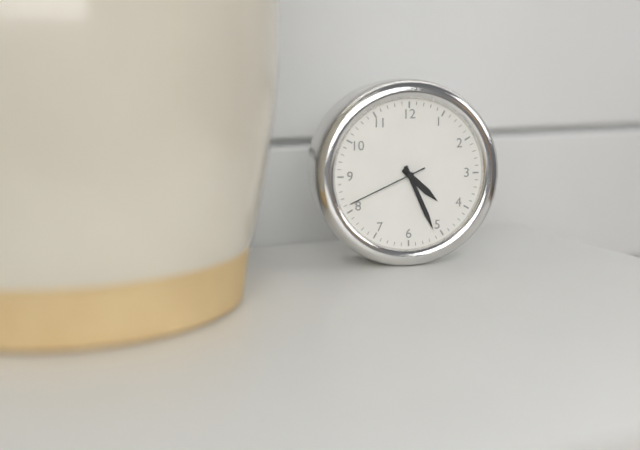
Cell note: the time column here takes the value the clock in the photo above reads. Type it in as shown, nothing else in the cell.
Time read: 4:26:41
